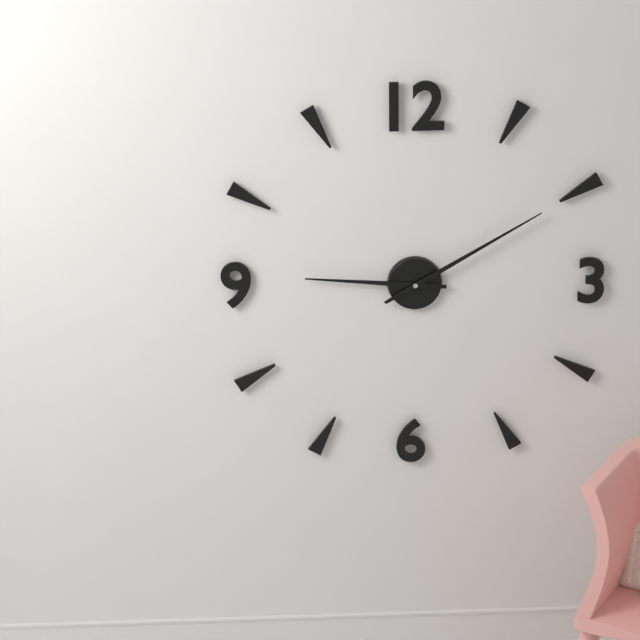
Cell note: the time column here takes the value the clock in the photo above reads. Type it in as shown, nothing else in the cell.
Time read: 9:10
